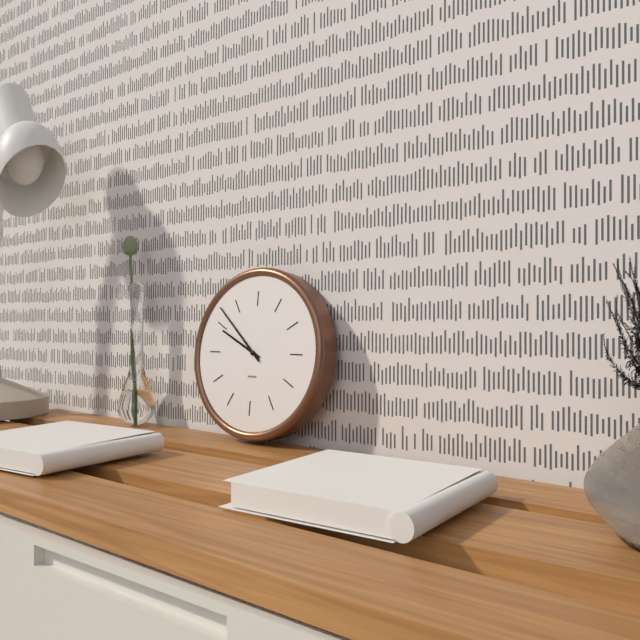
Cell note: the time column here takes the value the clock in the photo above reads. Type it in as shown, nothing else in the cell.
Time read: 9:52
